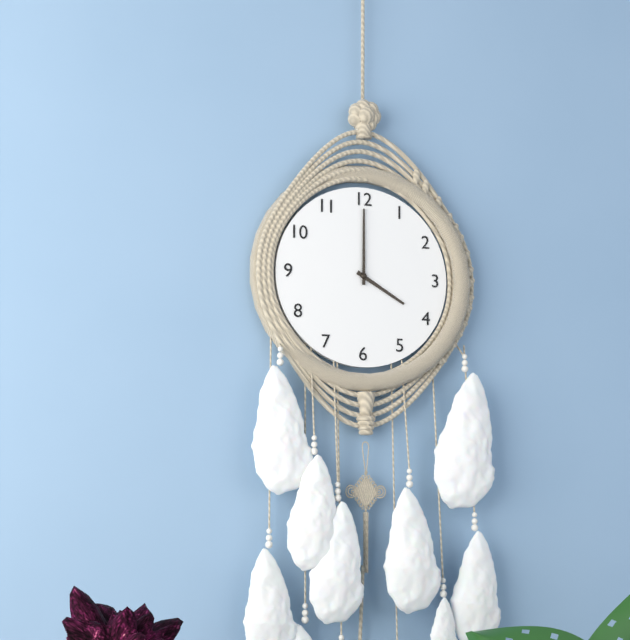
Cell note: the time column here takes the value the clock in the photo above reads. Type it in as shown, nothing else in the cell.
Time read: 4:00
